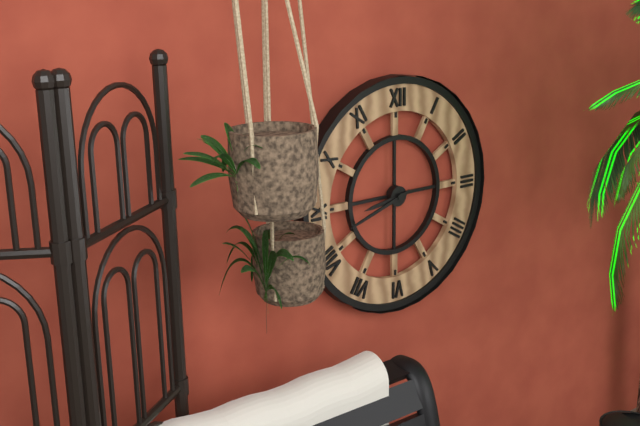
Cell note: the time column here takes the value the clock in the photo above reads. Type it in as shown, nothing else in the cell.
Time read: 8:42
